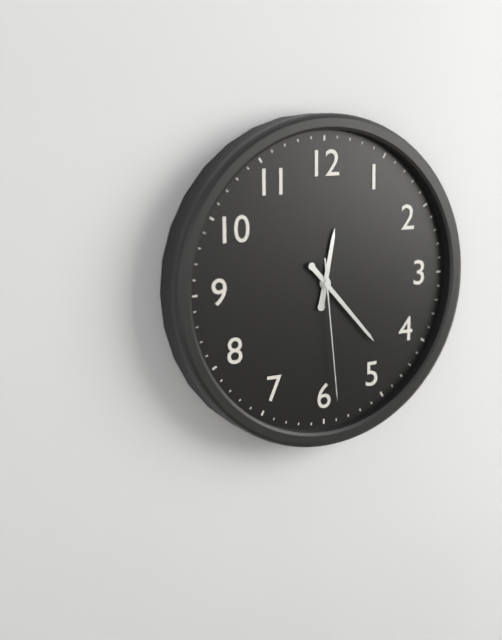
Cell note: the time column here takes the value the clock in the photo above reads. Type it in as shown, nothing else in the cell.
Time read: 12:23:29
